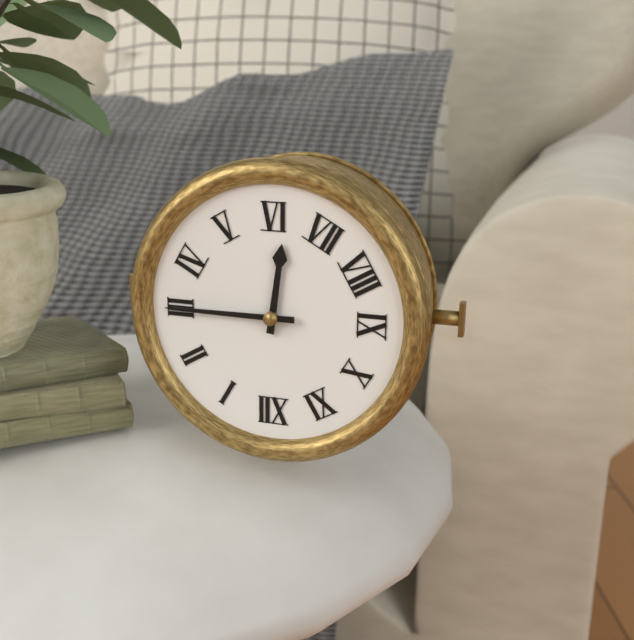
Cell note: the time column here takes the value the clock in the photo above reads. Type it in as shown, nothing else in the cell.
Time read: 6:15
